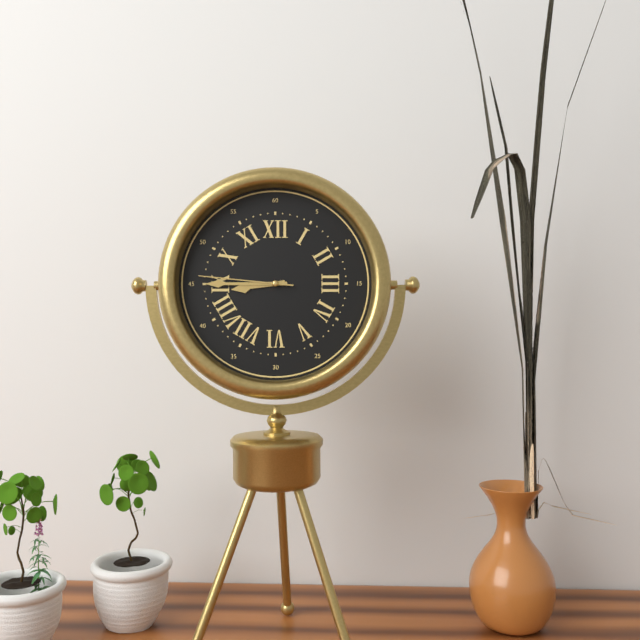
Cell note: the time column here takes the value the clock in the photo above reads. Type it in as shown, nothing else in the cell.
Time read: 8:45:46
